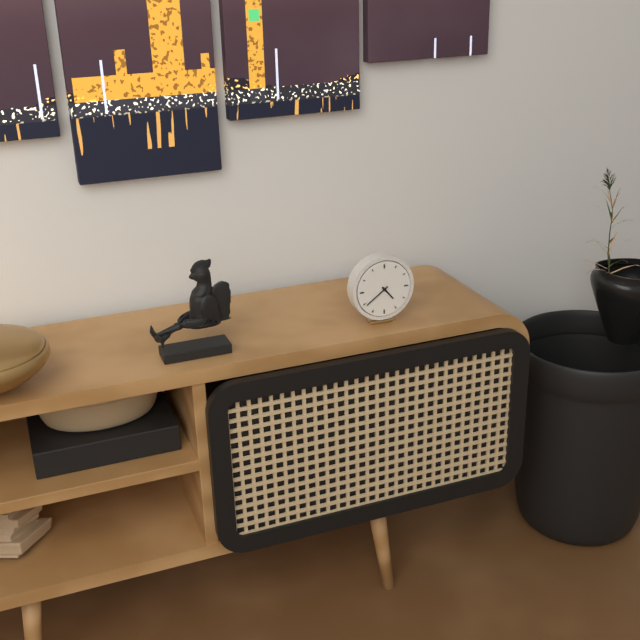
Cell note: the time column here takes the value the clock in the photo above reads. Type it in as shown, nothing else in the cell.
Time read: 4:39
